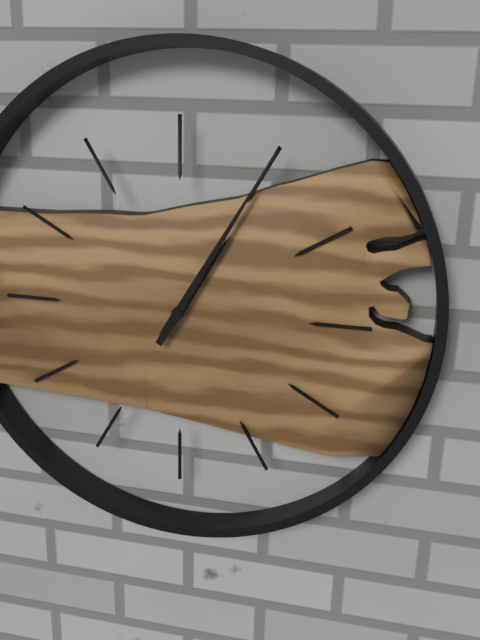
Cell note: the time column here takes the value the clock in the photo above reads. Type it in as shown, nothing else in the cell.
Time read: 1:05
